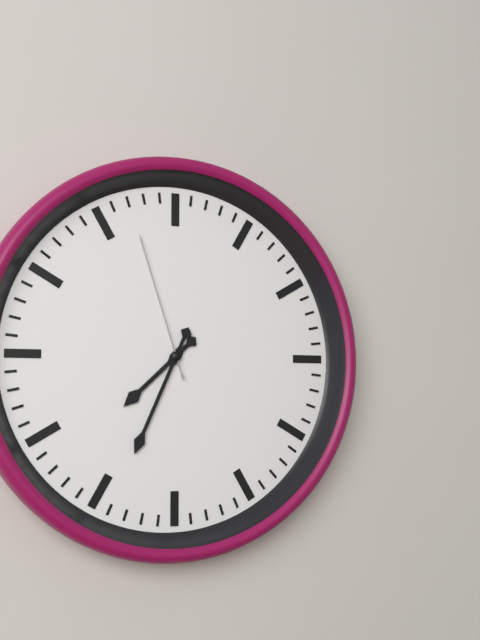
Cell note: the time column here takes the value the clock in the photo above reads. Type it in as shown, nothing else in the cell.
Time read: 7:34:57
